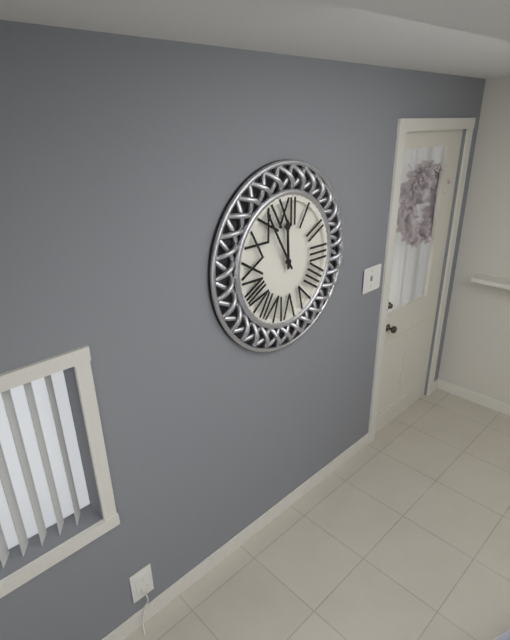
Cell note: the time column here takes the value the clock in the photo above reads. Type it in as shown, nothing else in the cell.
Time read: 11:55
